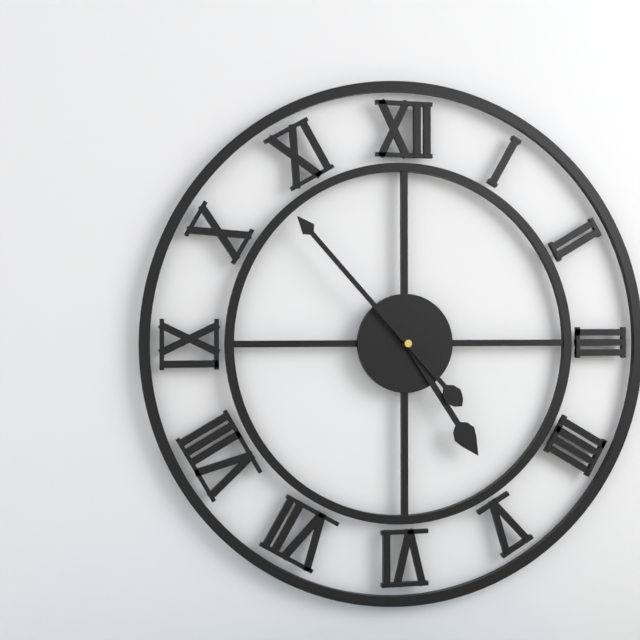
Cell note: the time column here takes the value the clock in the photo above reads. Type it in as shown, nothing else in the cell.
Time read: 4:53
